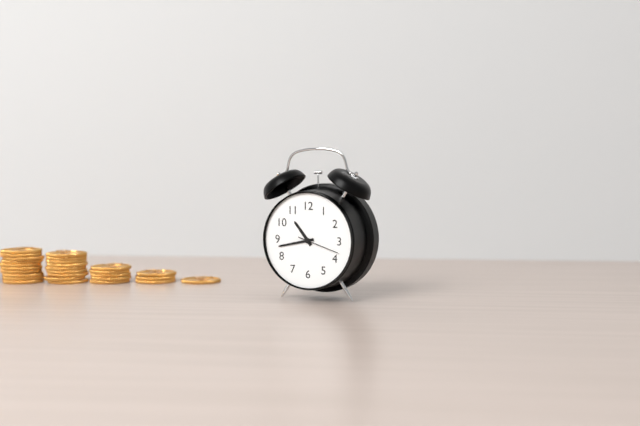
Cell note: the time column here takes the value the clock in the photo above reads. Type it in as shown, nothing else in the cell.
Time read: 10:43
